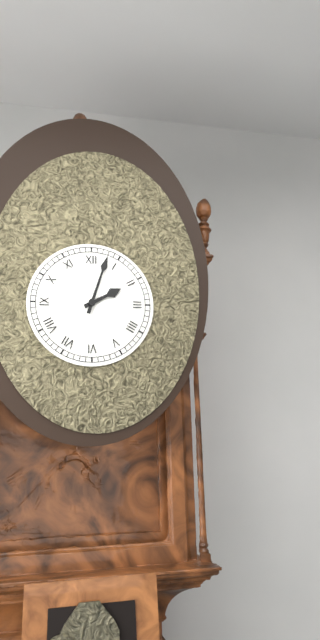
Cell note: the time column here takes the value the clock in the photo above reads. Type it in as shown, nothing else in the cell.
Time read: 2:03
